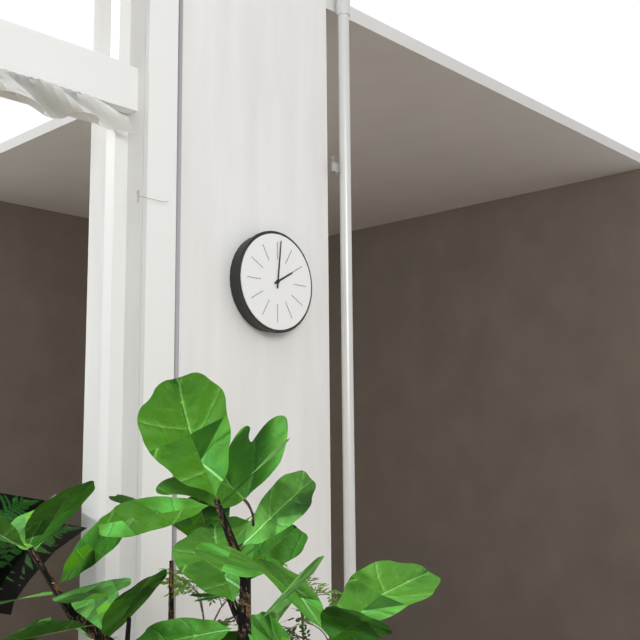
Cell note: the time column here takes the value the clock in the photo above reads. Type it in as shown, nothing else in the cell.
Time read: 2:01
